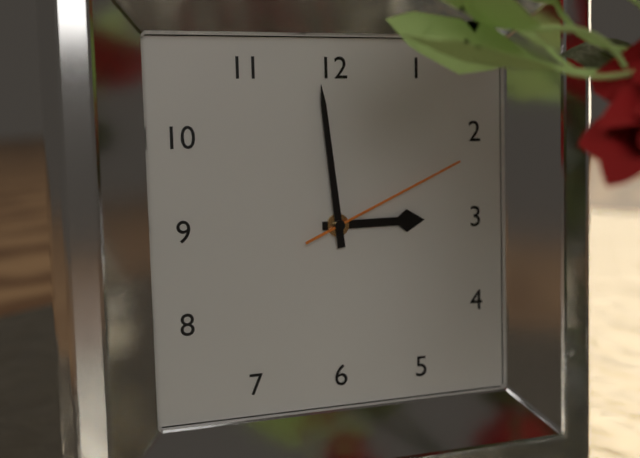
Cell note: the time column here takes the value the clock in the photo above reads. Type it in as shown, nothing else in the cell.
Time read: 2:59:11
